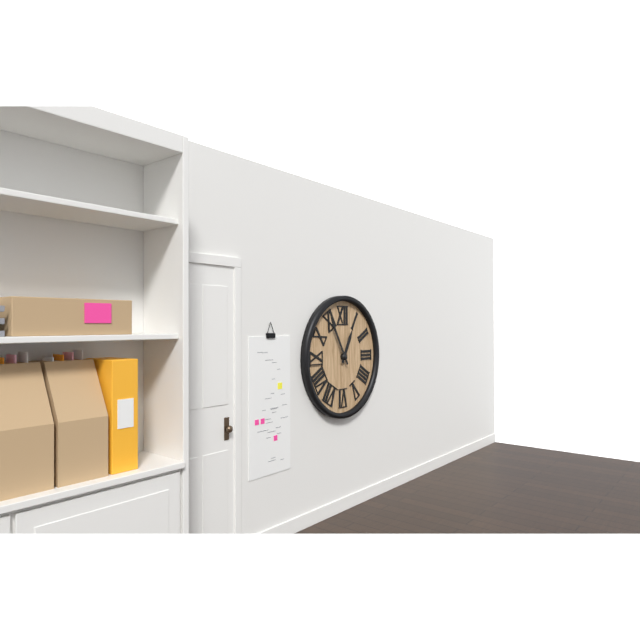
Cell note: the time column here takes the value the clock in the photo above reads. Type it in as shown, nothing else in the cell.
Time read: 12:55
